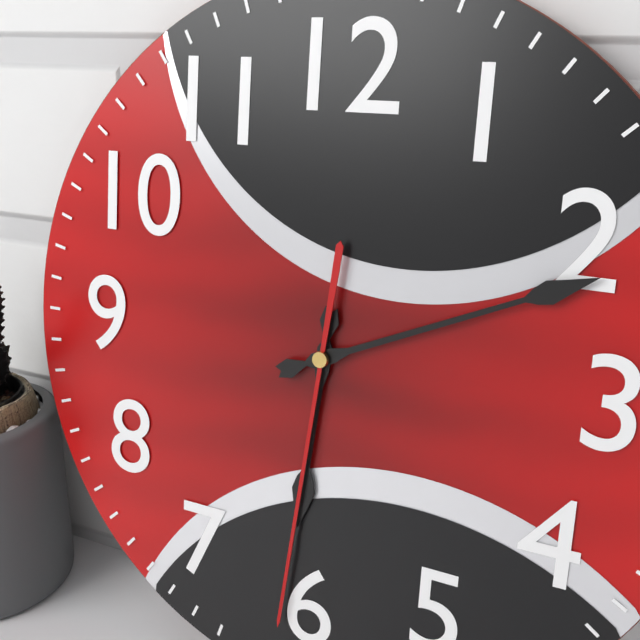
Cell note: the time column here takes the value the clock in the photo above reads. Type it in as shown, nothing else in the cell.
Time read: 6:11:31
